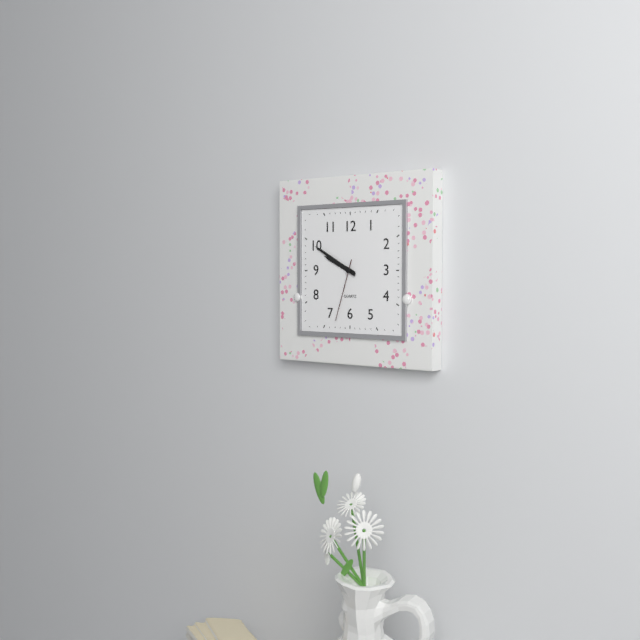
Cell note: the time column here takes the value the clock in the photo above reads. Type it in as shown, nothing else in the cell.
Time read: 9:50:33
